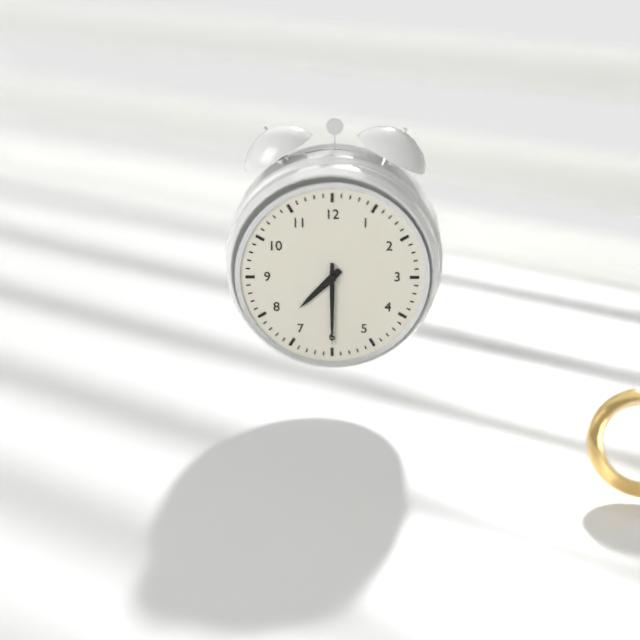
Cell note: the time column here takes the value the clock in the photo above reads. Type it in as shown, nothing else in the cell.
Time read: 7:30
